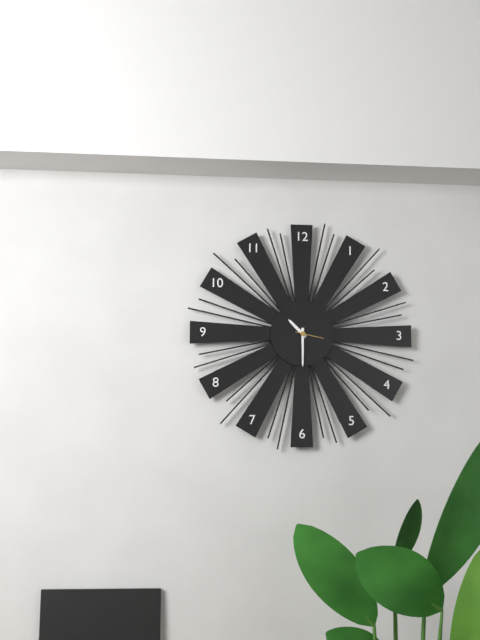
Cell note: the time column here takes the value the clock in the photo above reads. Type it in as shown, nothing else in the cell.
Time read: 10:30
